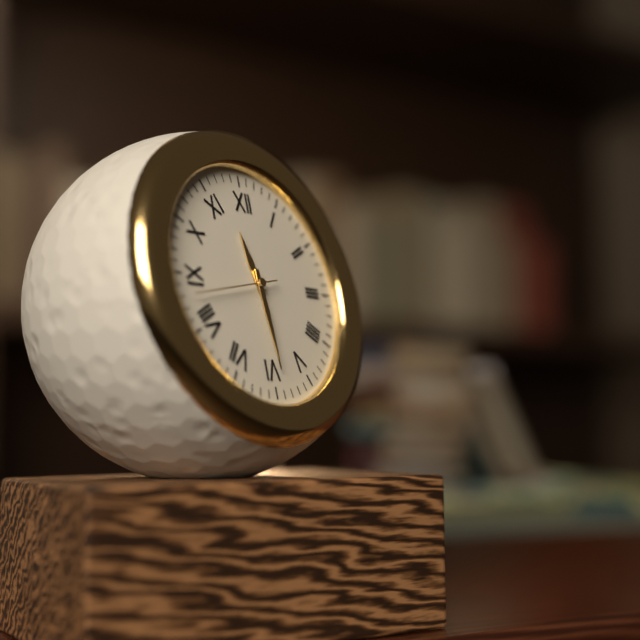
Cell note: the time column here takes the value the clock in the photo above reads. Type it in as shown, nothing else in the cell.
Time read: 11:29:43
